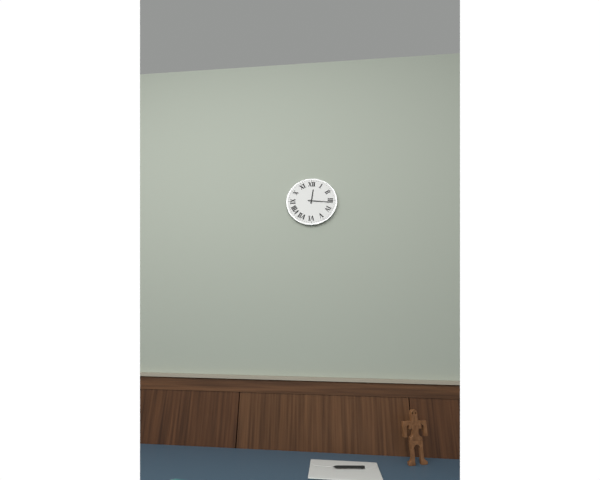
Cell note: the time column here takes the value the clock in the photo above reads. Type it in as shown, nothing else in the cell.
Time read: 12:16
